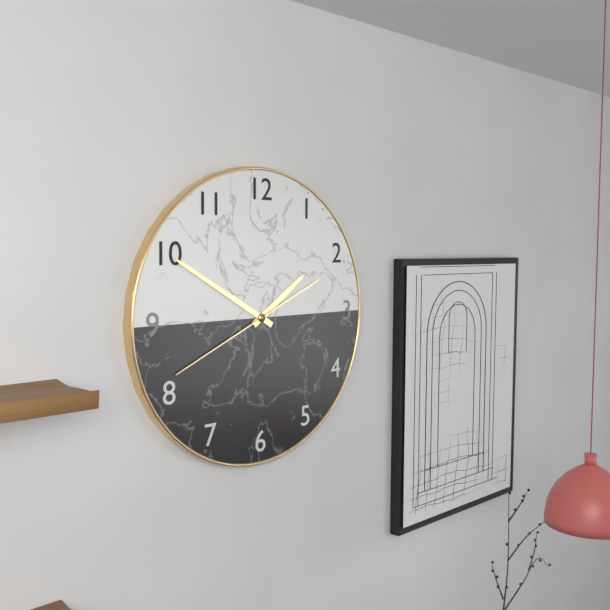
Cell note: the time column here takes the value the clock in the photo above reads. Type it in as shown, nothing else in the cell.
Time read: 1:50:41
